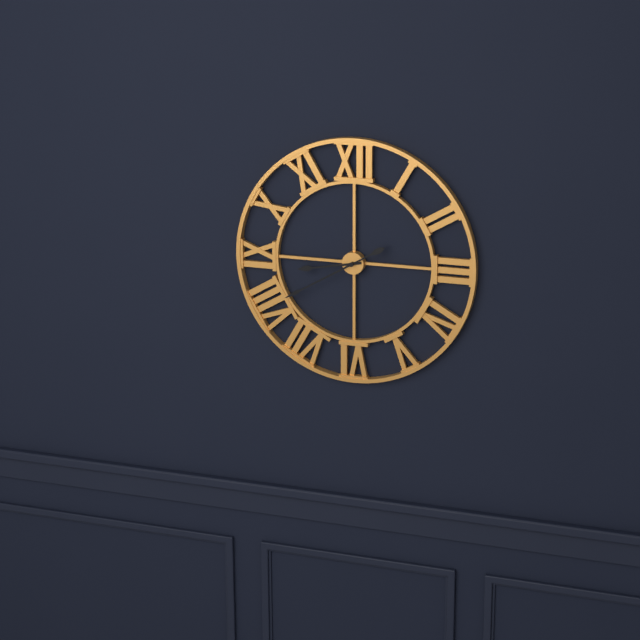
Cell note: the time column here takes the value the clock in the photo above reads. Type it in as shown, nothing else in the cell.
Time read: 8:40
